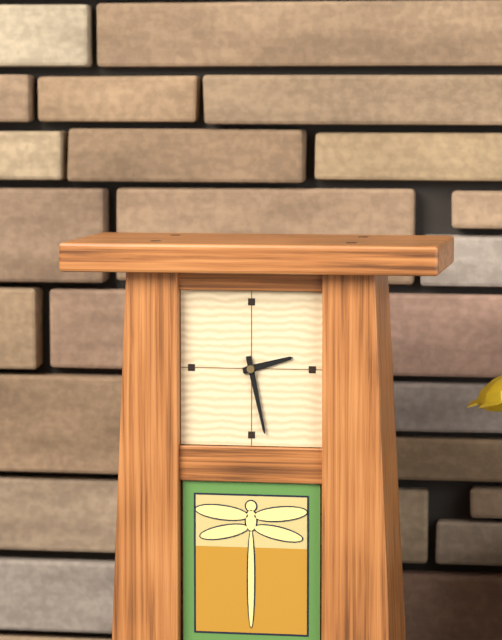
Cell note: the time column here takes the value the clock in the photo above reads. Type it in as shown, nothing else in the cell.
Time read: 2:28
